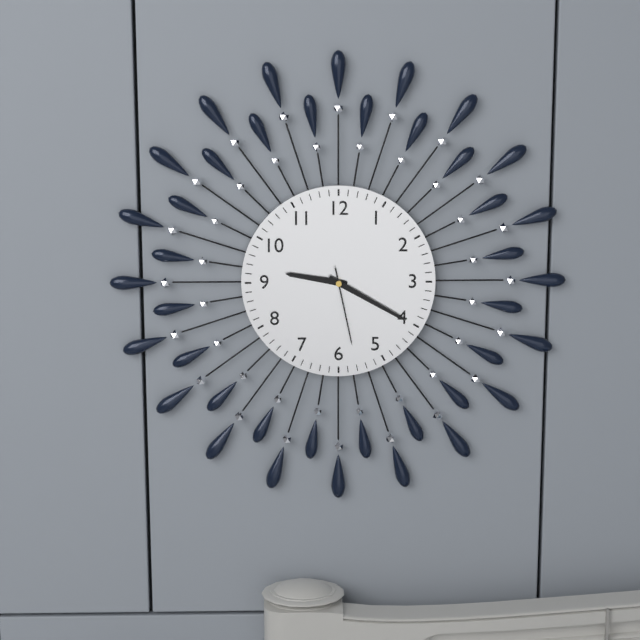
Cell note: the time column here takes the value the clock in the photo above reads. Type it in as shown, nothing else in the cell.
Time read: 9:20:28
